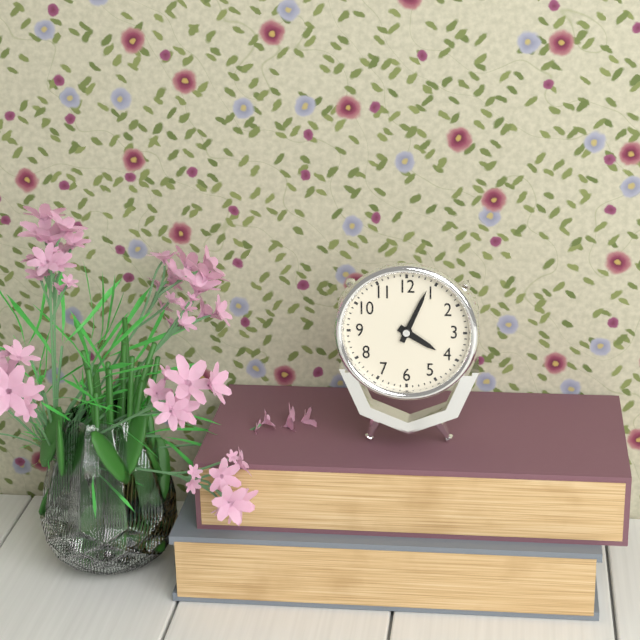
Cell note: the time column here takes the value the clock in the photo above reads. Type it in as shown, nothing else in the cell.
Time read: 4:04
